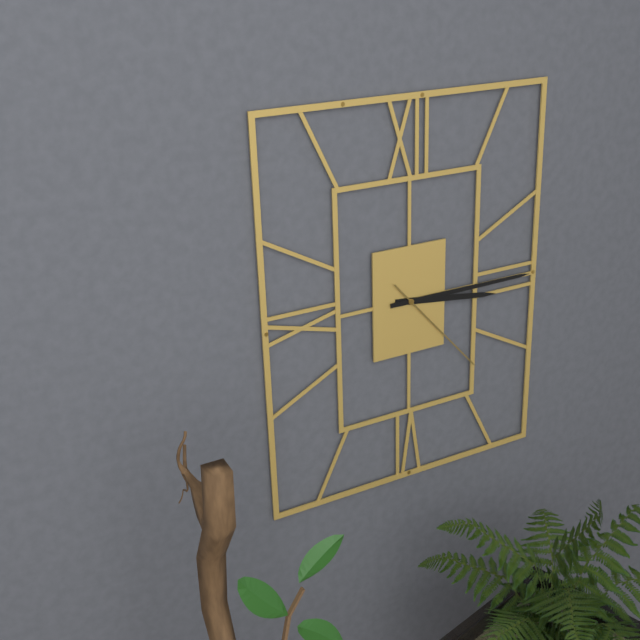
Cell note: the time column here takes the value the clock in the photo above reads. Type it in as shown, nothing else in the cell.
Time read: 3:15:23
